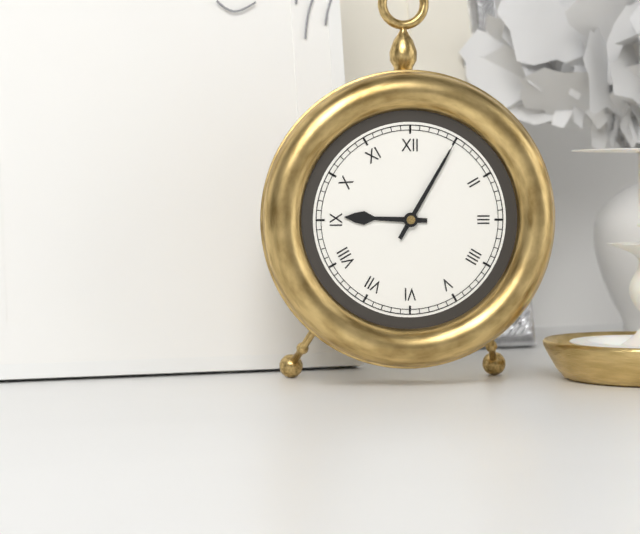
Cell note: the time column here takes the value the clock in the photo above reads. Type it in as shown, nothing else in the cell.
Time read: 9:05
